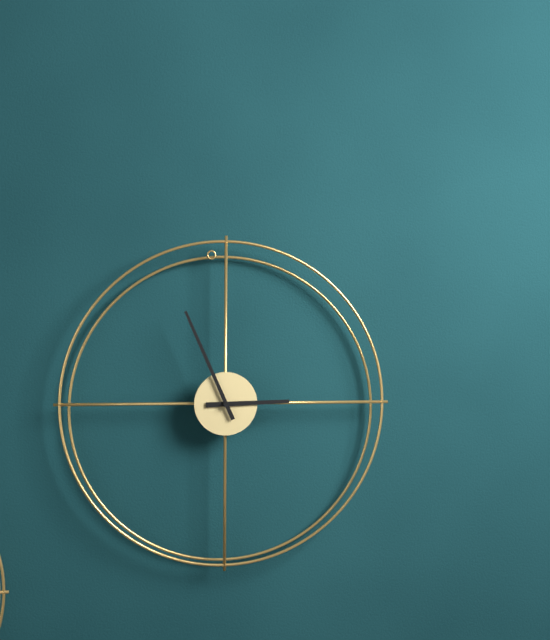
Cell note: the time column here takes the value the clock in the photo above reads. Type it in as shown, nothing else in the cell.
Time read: 2:56
